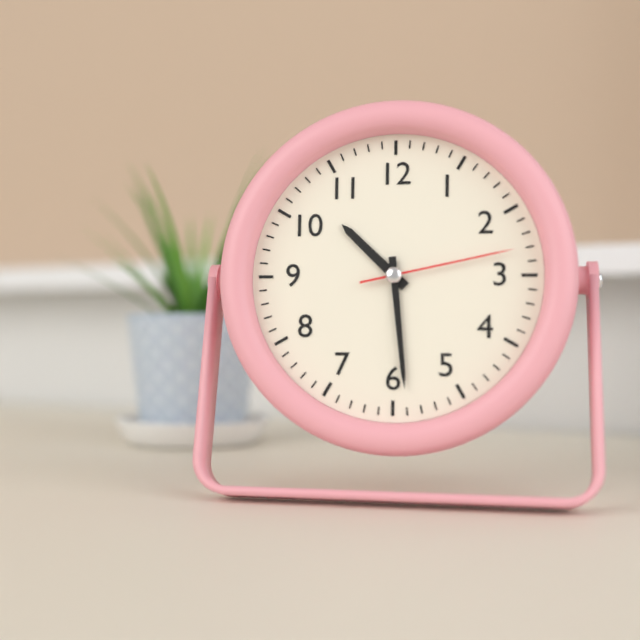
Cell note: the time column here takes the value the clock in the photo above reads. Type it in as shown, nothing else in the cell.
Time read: 10:29:13
